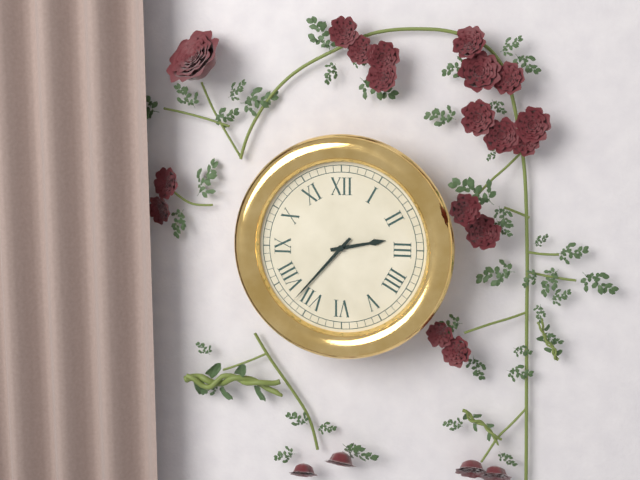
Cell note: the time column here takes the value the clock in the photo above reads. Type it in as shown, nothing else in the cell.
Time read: 2:37
